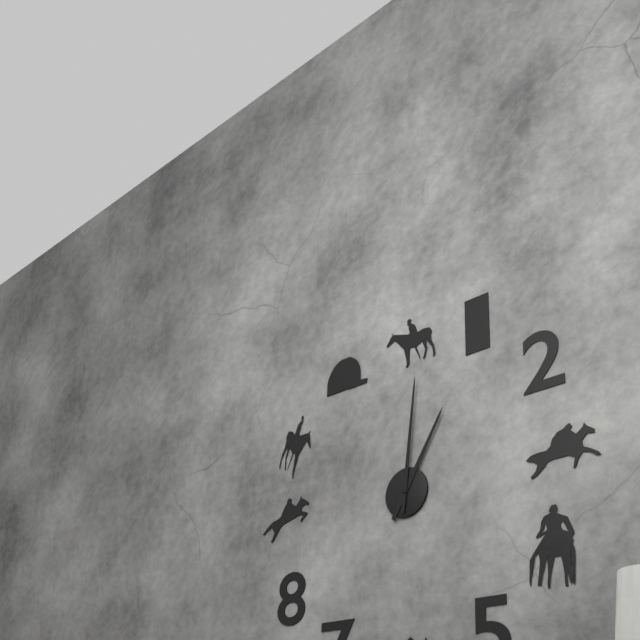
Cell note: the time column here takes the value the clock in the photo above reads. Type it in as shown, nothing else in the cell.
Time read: 1:01
